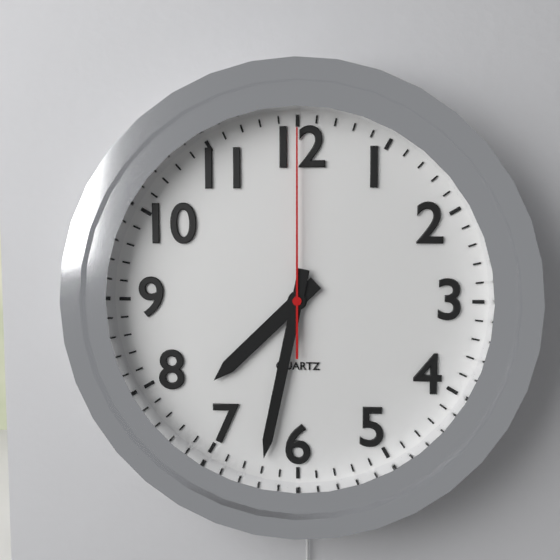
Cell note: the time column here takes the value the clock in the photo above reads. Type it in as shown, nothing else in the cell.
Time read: 7:32:00
